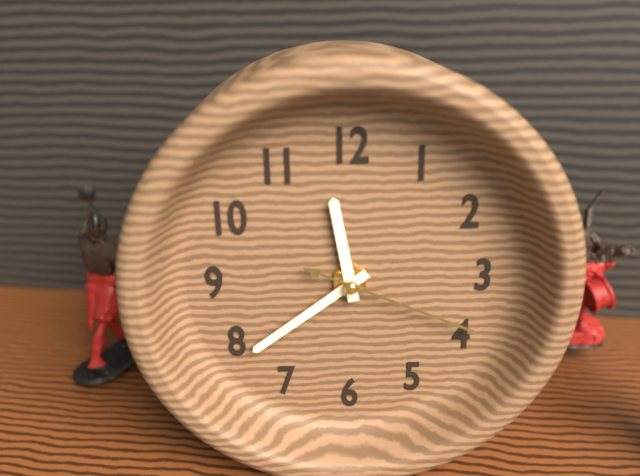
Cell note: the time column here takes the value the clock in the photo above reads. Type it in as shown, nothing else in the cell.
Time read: 11:39:19
